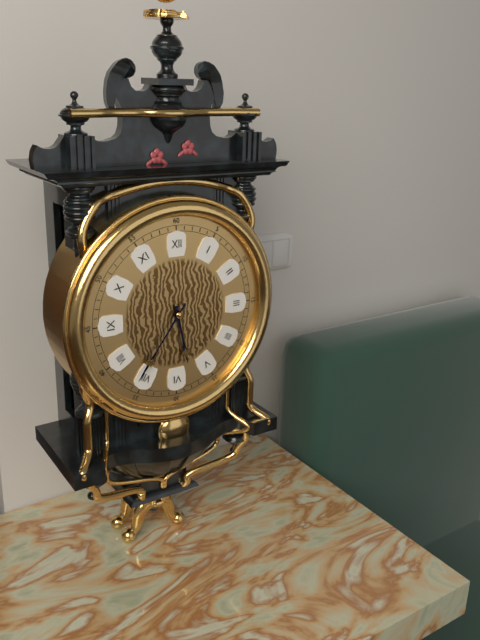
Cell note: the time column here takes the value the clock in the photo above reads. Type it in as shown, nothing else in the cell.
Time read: 5:36
